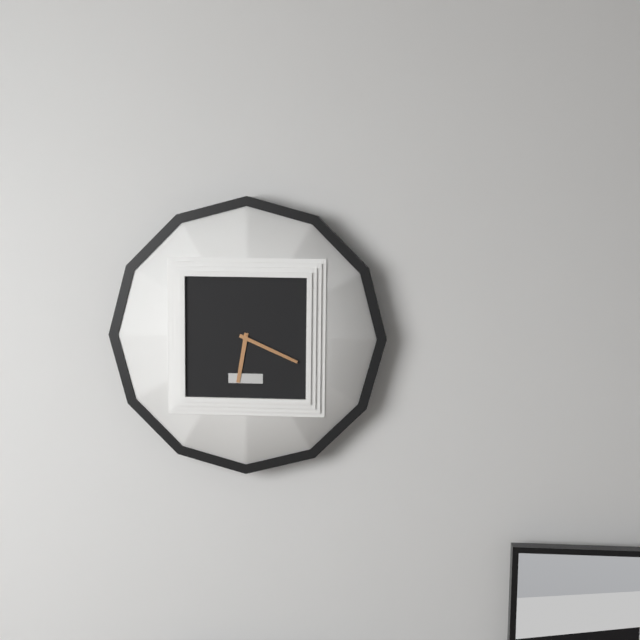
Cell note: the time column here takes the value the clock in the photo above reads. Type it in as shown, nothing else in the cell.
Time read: 6:19
